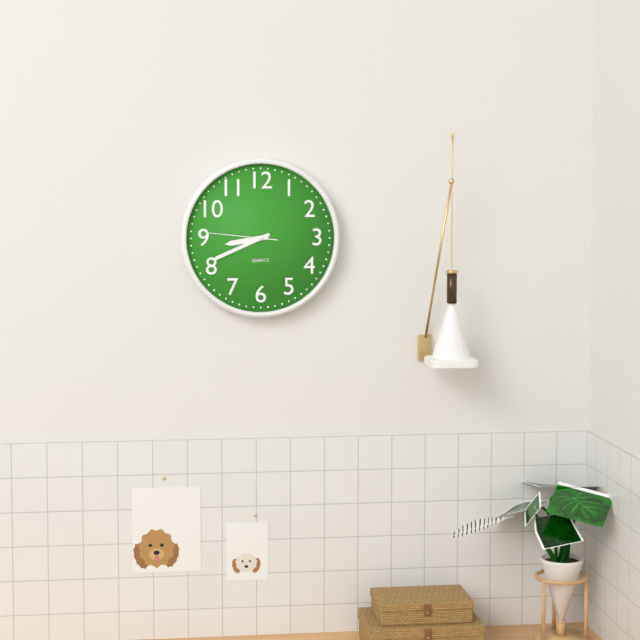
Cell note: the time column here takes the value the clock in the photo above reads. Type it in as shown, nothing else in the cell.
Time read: 8:41:46
